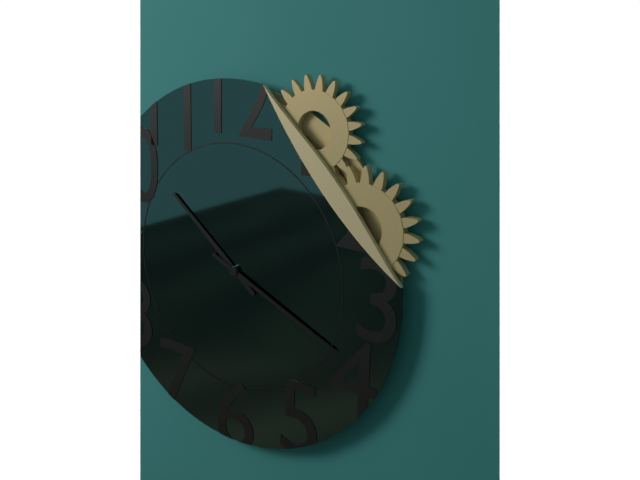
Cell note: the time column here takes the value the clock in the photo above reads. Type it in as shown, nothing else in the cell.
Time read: 10:19
